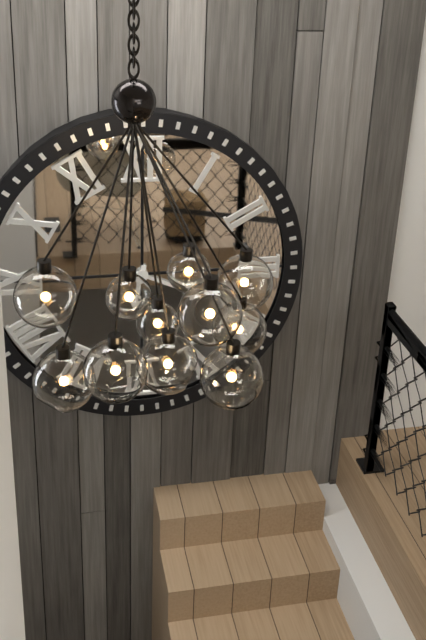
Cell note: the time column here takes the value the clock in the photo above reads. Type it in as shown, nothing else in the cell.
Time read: 6:19
